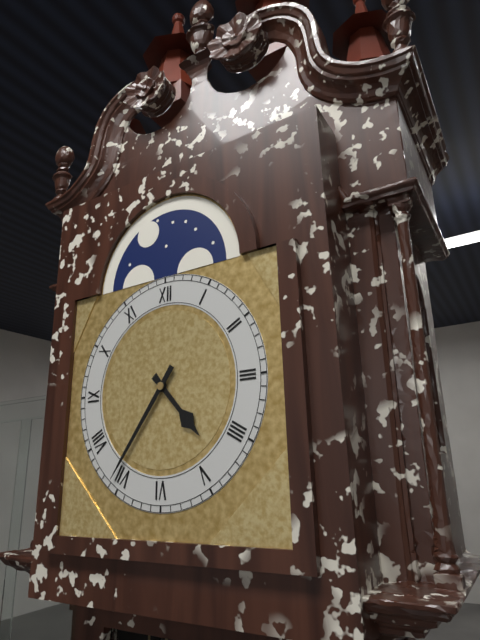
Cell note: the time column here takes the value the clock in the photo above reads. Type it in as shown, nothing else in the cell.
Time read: 4:36
